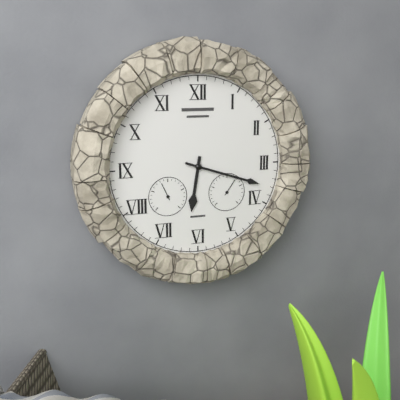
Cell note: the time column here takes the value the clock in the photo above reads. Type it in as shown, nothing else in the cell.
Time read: 6:18
